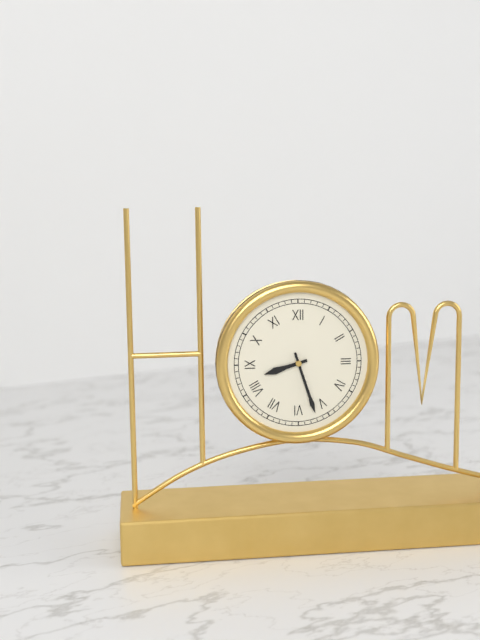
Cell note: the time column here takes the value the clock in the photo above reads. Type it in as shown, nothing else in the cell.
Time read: 8:27
